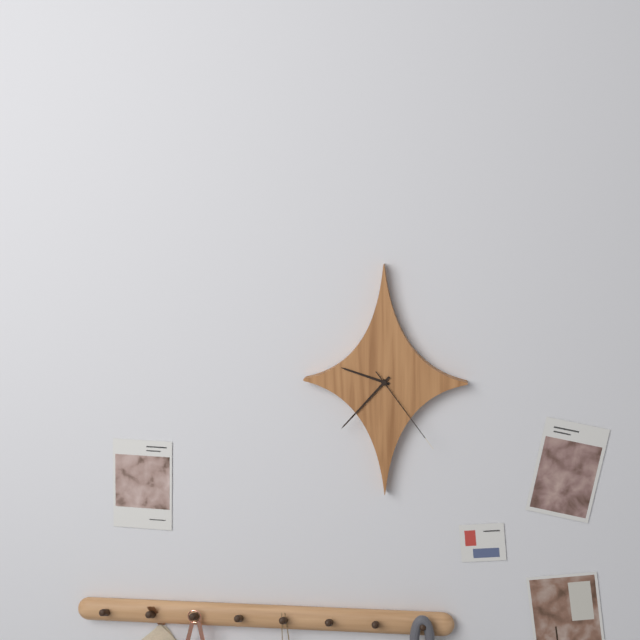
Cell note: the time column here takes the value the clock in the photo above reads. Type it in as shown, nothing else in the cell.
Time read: 9:37:24
